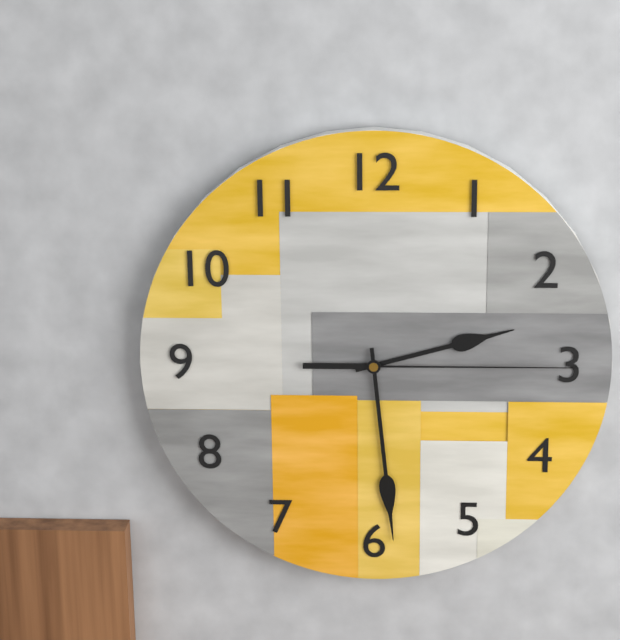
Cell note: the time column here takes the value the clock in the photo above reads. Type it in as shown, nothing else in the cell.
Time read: 2:29:15
